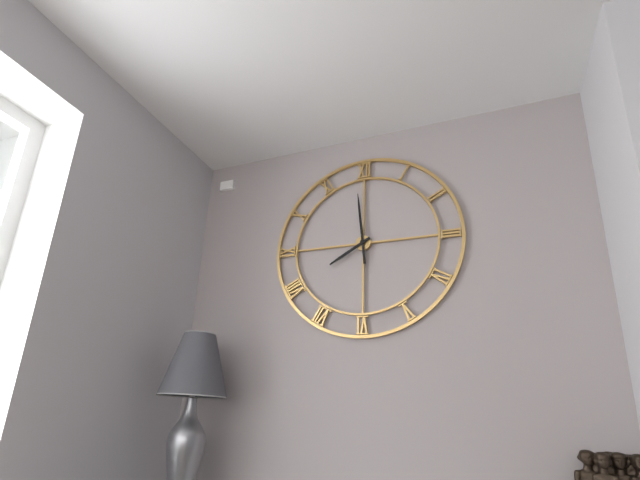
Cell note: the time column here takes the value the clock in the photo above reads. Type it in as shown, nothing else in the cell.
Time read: 7:59
